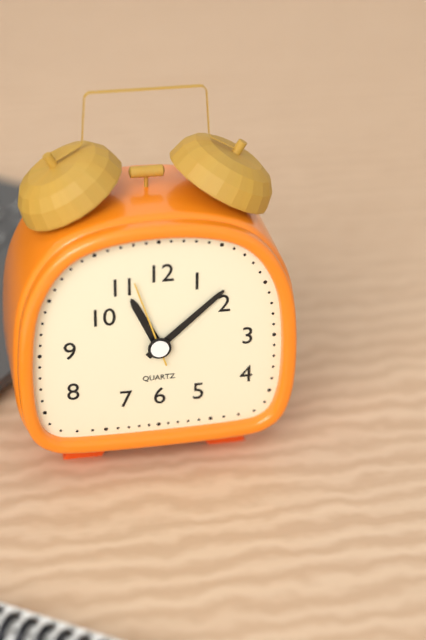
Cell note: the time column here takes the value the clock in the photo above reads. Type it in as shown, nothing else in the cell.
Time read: 11:08:57
